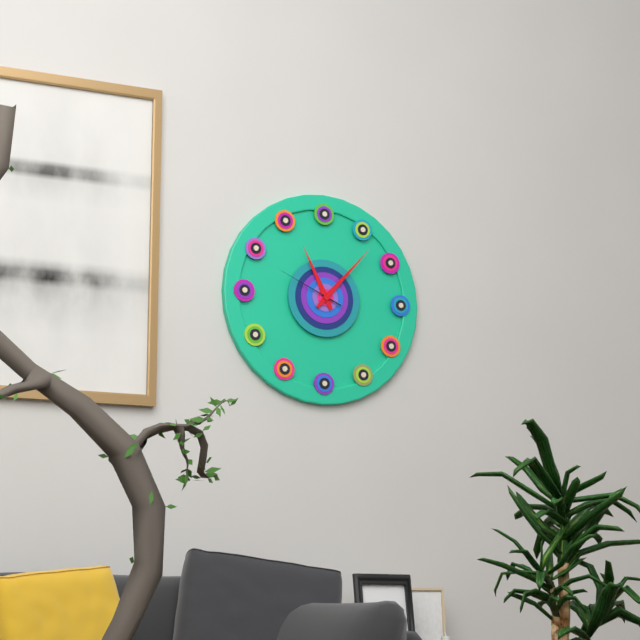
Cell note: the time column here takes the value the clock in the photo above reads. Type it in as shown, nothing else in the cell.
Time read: 11:07:49
